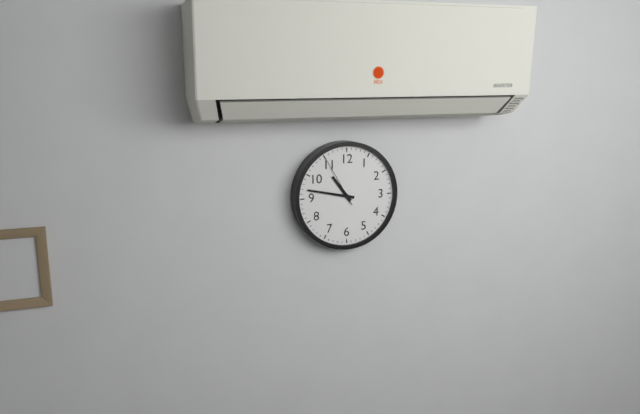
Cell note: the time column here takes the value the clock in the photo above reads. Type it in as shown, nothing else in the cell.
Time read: 10:47
